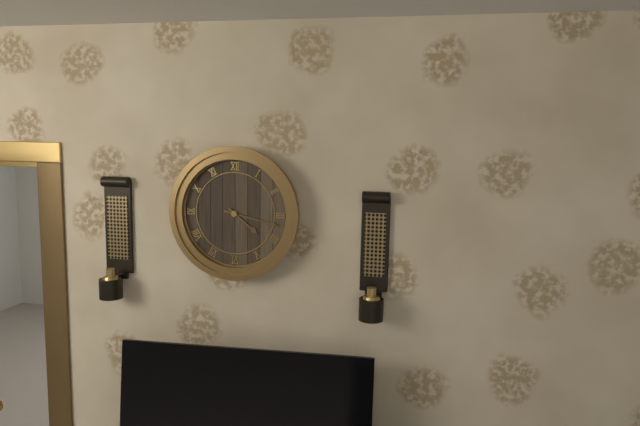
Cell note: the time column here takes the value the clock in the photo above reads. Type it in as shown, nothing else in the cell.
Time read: 4:17
